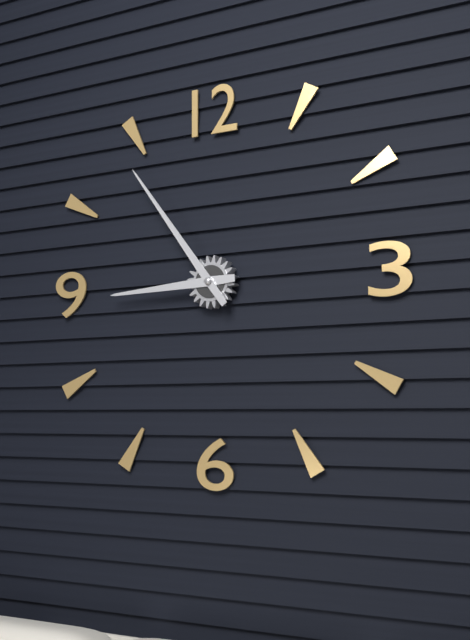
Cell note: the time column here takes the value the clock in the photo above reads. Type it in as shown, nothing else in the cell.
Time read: 8:54
